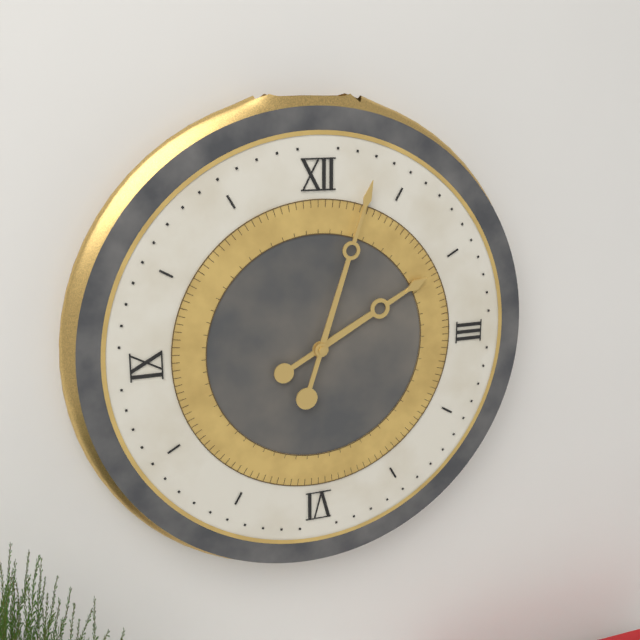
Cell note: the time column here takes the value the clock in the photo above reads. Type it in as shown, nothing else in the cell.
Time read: 2:03
